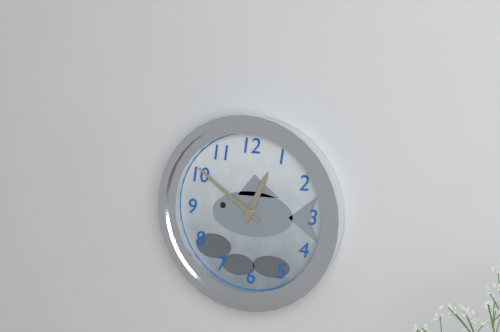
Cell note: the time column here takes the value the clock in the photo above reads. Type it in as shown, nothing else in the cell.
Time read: 12:51
